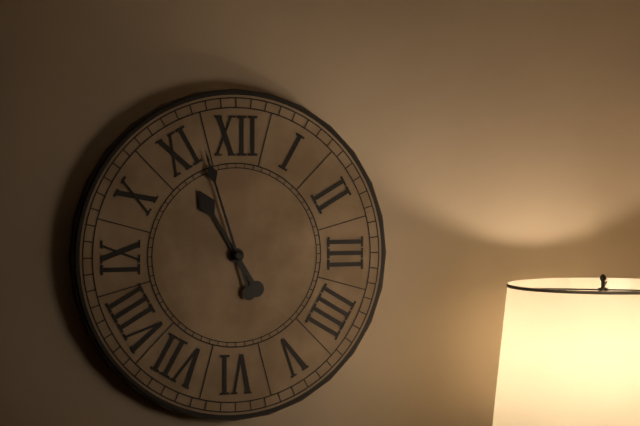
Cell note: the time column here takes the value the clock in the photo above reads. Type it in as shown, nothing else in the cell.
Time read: 10:57
